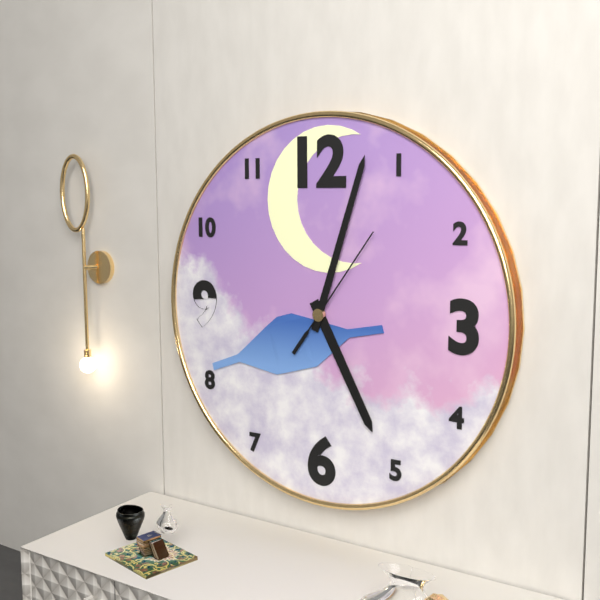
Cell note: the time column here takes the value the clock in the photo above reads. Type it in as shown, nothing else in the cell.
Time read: 5:03:06
